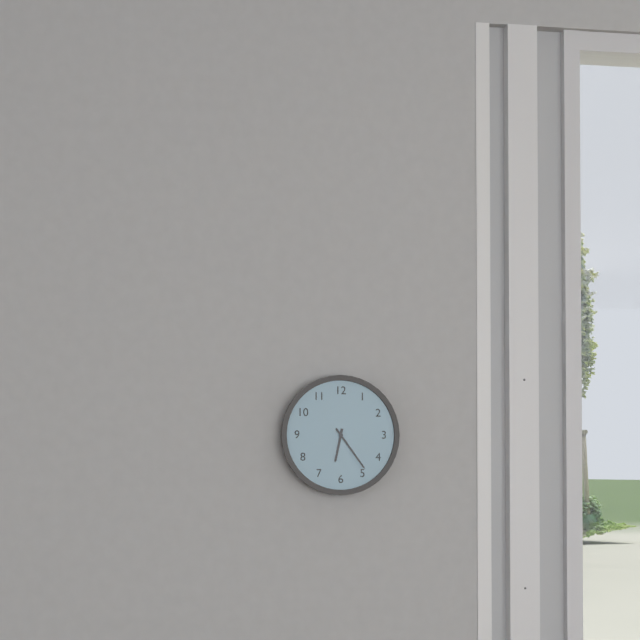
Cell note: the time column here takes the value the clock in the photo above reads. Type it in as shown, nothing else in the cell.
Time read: 6:24
